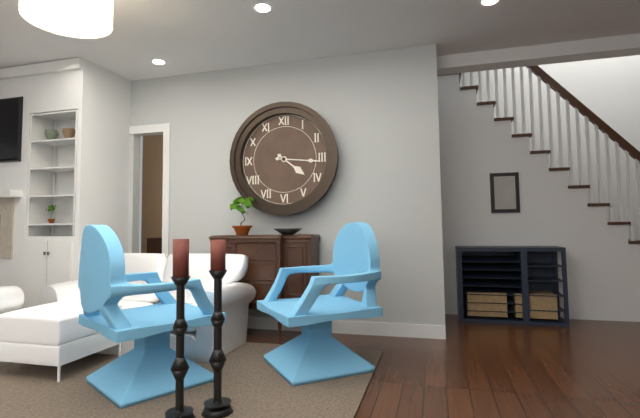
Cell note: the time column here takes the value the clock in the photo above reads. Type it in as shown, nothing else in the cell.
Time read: 4:16
